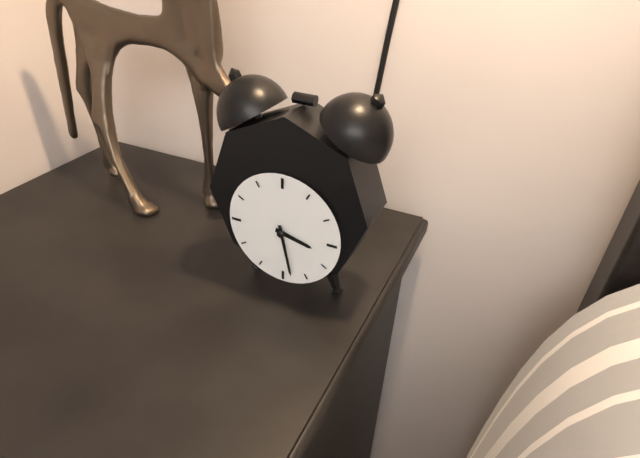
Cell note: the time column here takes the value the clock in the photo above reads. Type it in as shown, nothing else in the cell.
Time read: 3:28
